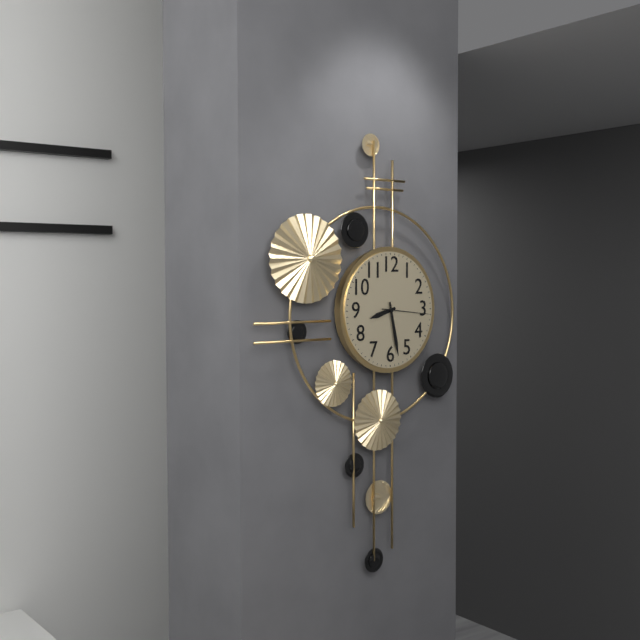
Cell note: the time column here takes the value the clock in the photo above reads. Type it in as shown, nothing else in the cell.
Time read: 8:28
